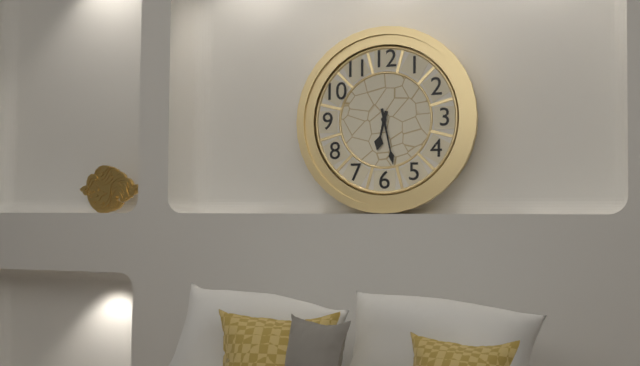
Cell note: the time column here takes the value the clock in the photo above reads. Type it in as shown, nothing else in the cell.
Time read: 6:28
